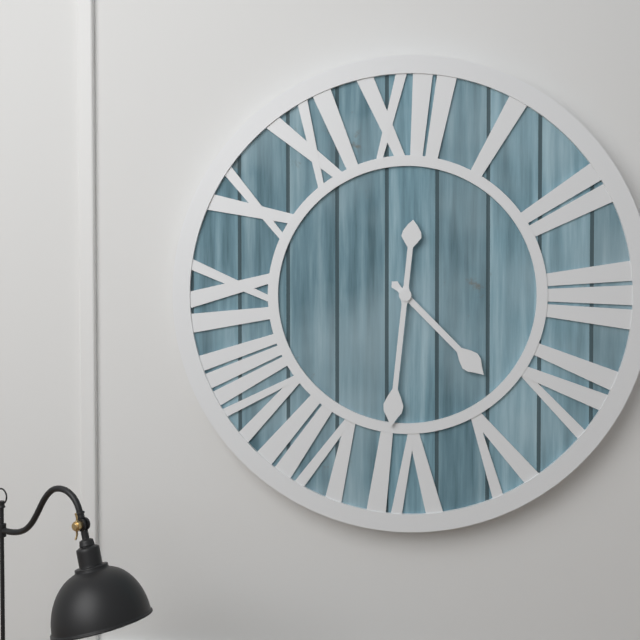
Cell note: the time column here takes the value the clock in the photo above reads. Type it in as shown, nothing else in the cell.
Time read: 4:31
